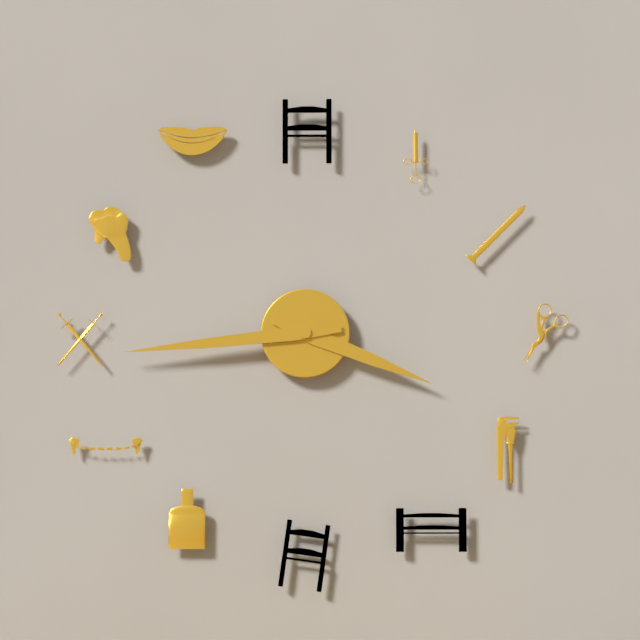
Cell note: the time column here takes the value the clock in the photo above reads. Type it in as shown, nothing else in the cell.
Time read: 3:44
